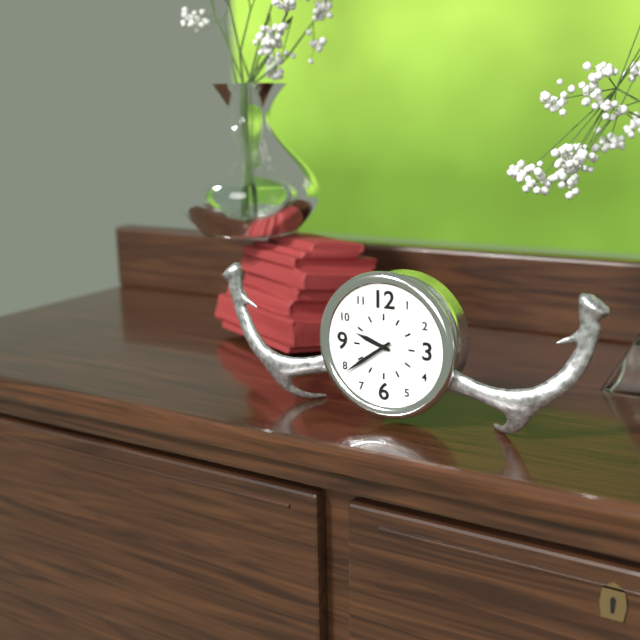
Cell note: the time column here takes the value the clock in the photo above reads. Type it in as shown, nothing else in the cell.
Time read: 9:39
